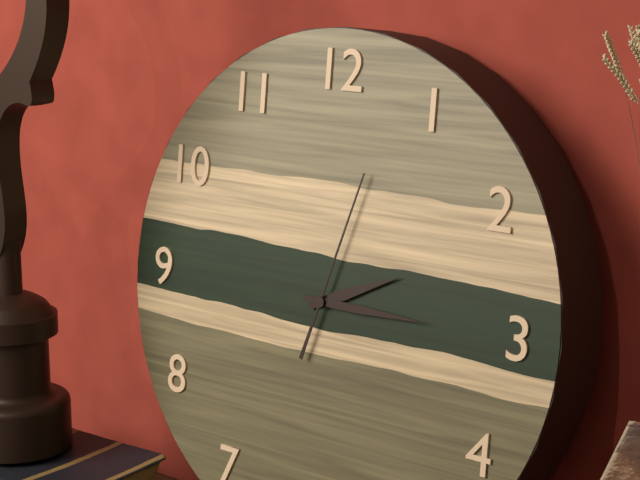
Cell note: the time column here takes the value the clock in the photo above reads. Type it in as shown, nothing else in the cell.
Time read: 2:15:03
